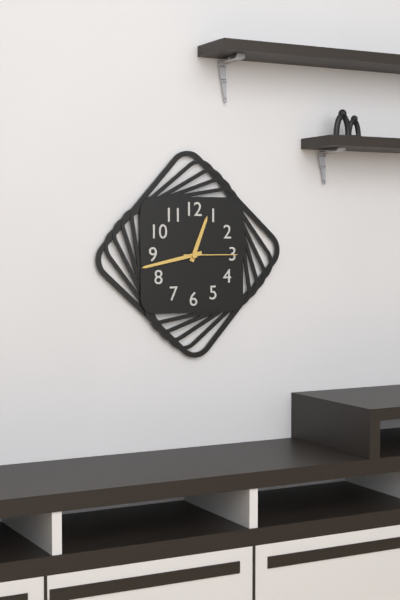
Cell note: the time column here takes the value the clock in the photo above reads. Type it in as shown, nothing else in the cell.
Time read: 12:43:15
